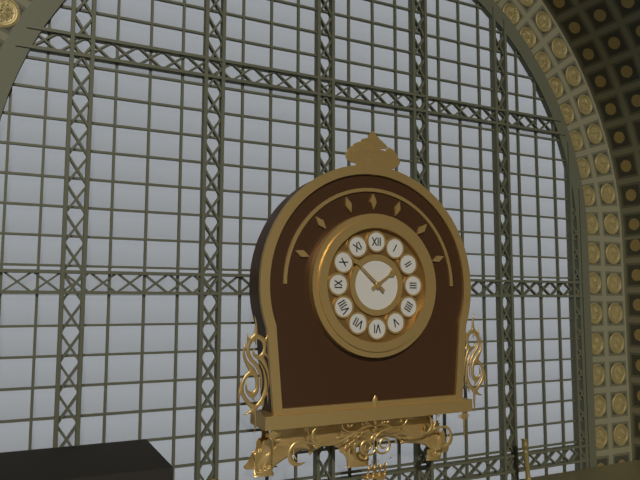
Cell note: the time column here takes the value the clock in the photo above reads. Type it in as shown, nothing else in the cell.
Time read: 1:52
